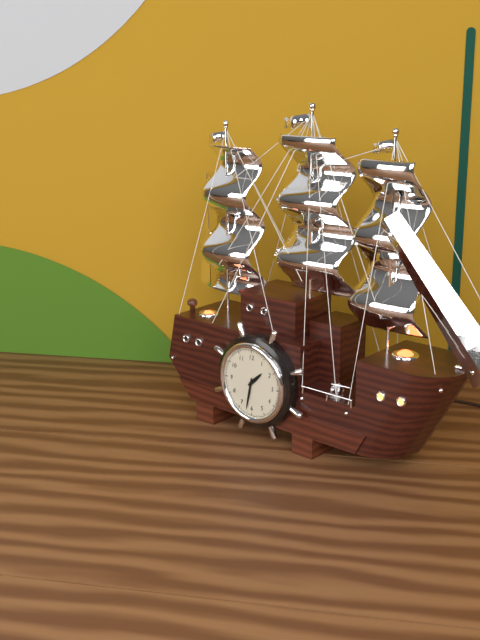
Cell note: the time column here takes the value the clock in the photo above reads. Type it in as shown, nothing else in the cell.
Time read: 1:32
